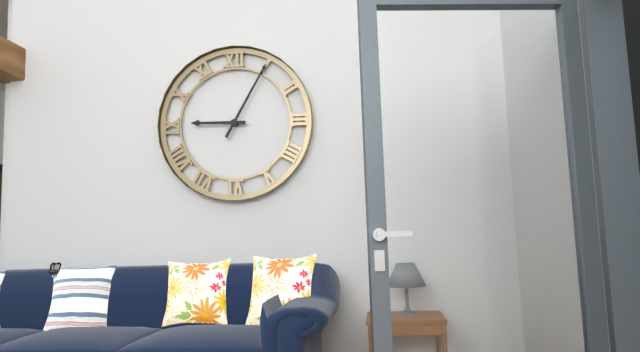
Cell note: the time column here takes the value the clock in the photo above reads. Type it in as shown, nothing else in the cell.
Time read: 9:05
